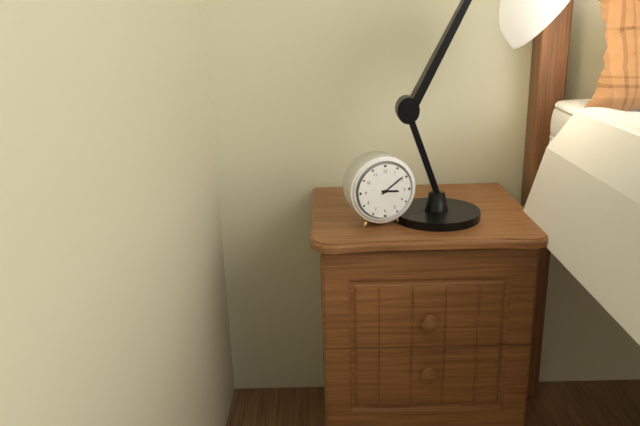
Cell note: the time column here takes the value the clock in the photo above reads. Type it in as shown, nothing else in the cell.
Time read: 3:09
